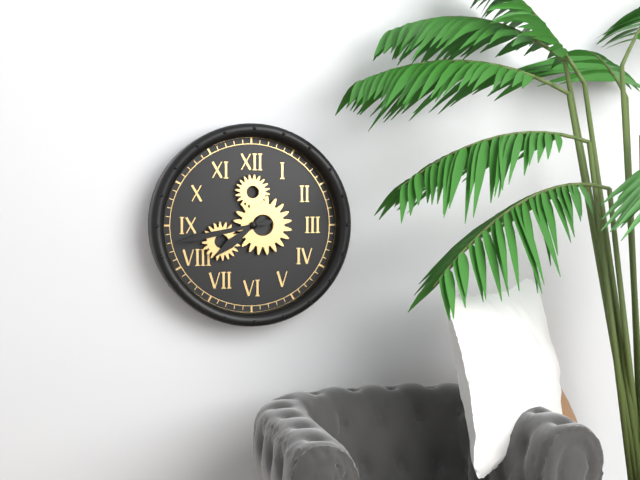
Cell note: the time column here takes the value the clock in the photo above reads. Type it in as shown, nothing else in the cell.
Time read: 7:43
